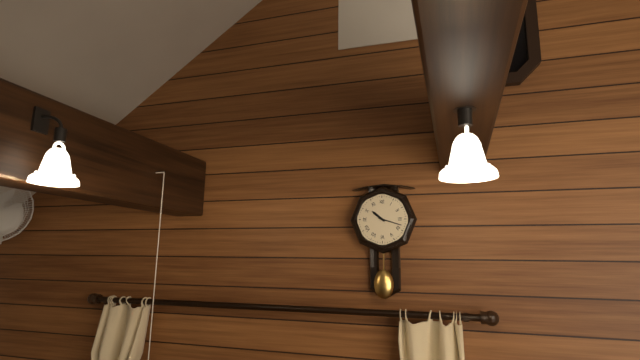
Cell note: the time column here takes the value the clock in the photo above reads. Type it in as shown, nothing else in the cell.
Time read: 10:18
